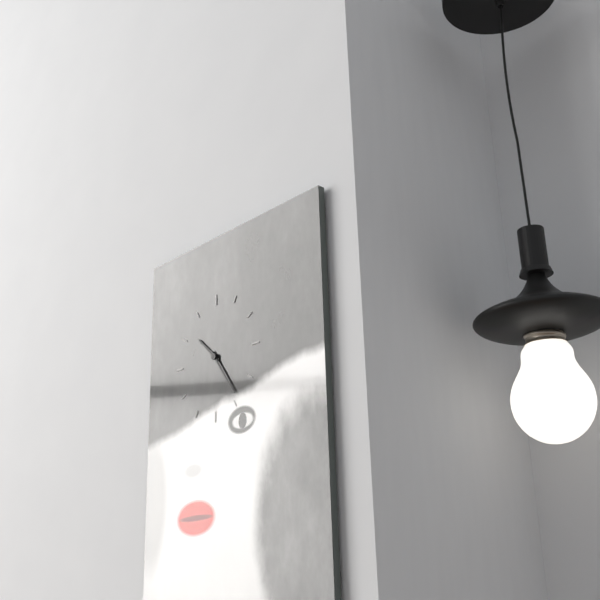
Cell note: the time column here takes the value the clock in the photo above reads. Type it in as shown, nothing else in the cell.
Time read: 10:24
